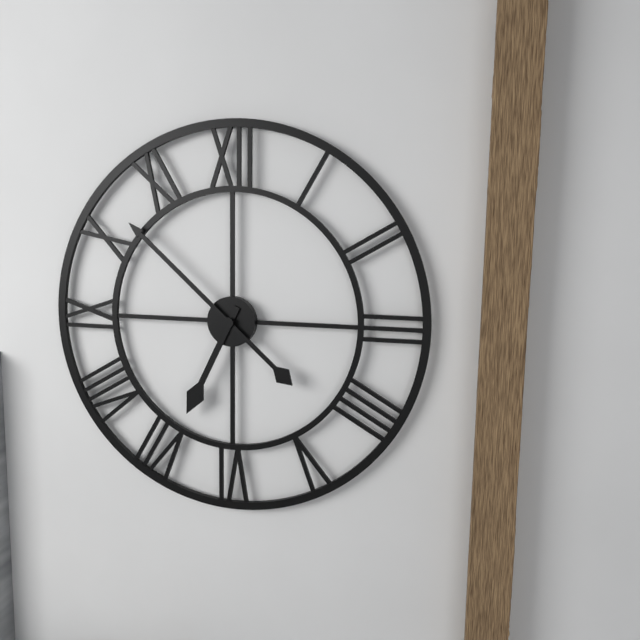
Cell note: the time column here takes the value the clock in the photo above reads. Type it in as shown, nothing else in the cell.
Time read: 6:52
